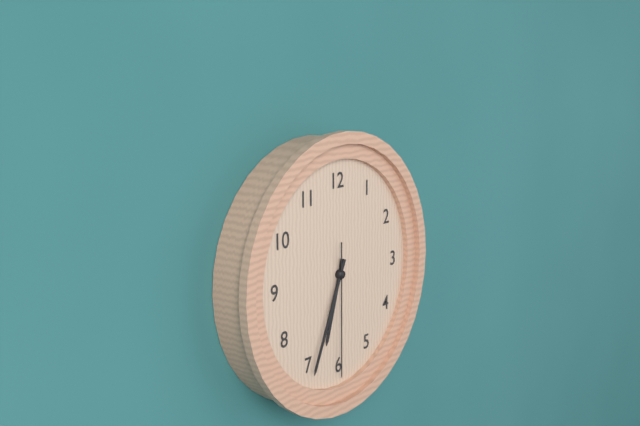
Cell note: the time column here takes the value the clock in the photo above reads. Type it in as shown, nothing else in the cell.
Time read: 6:34:30
